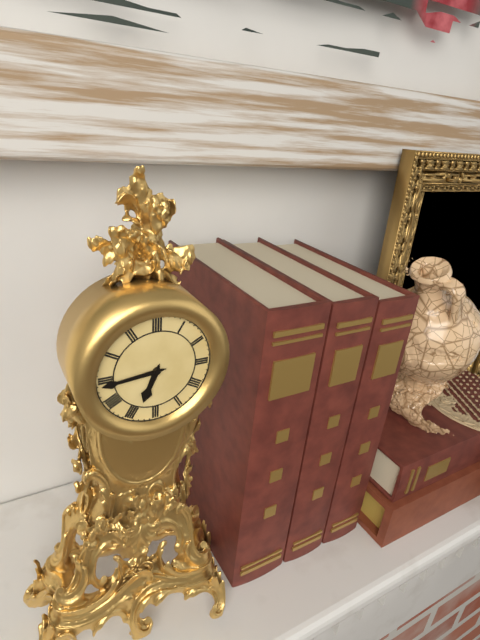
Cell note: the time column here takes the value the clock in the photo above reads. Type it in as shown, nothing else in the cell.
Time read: 6:44
